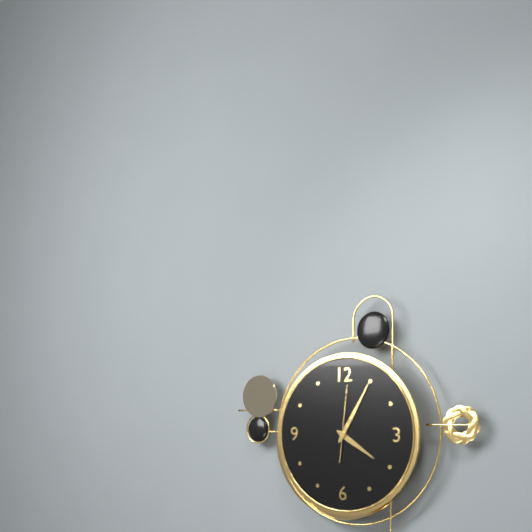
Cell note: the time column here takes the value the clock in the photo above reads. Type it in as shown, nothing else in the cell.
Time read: 4:05:01
